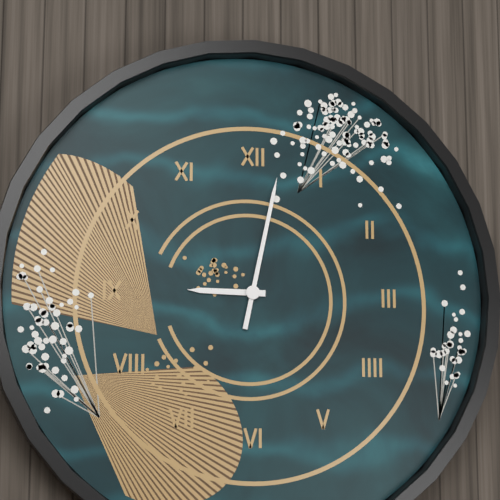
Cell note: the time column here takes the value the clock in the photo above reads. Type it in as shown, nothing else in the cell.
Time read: 9:02
